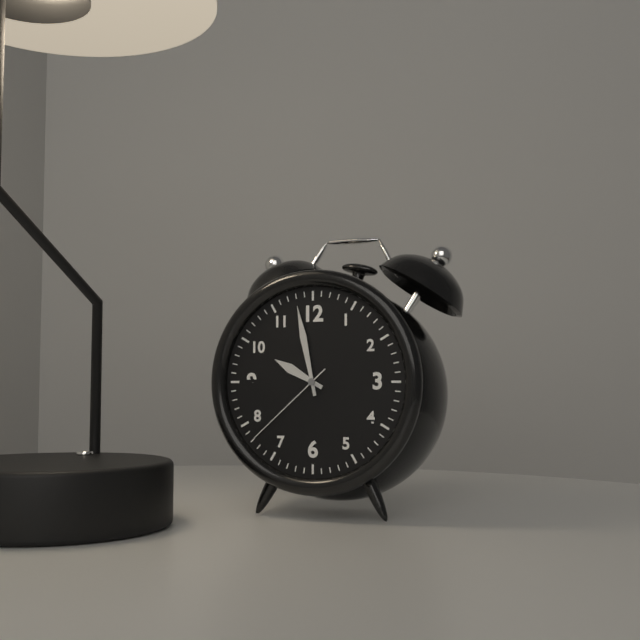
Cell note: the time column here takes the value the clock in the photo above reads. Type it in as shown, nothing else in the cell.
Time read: 9:58:38
